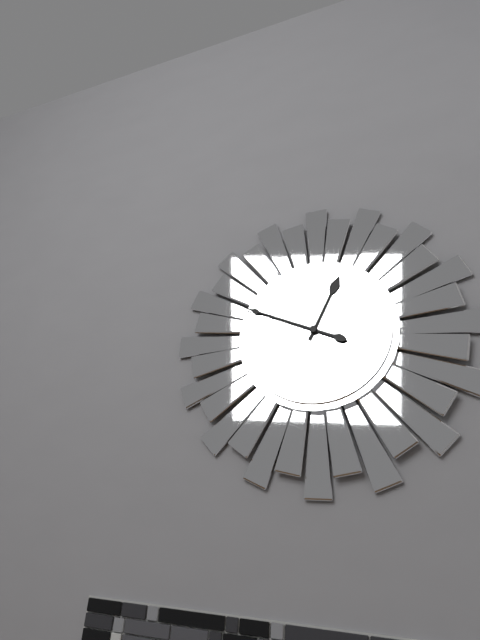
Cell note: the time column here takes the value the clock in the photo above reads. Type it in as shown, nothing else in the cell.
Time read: 12:49
